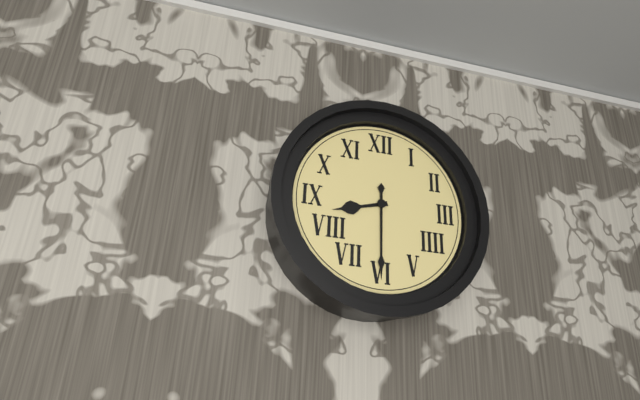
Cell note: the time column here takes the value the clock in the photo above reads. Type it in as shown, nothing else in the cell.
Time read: 8:30
